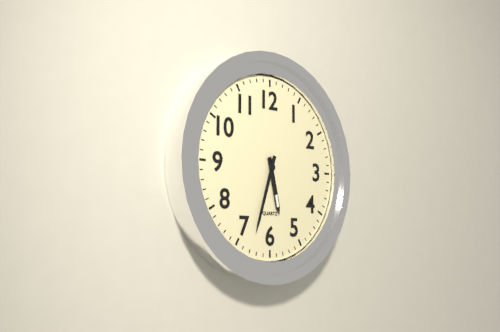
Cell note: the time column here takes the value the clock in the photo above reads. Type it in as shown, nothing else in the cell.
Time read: 5:33
